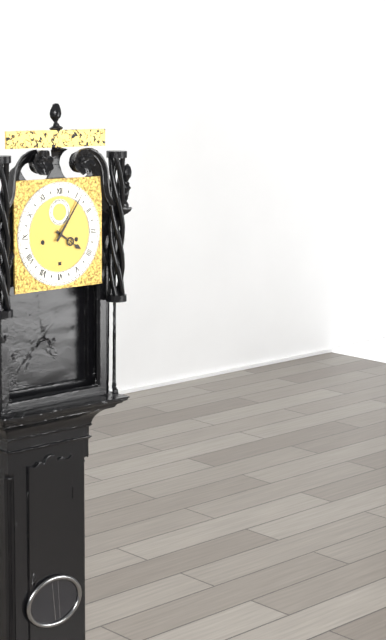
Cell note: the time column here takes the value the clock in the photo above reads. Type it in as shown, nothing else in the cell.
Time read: 4:06
